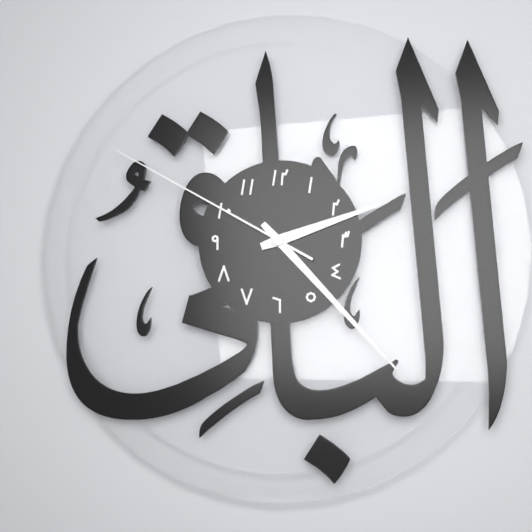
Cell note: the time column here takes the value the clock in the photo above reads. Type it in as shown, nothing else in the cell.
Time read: 2:23:50
